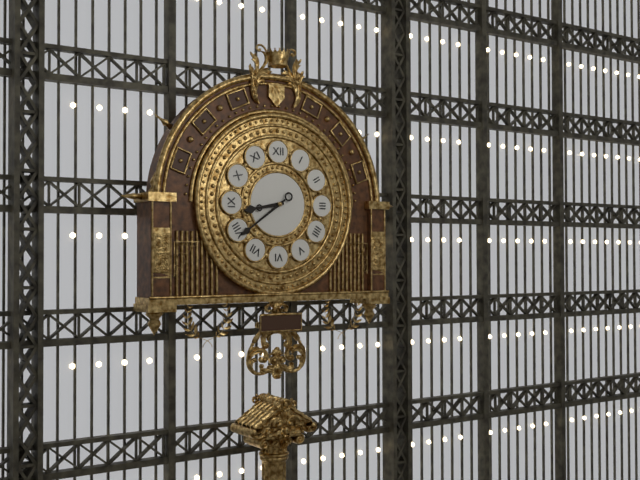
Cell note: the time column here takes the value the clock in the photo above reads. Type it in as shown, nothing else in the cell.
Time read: 8:39
